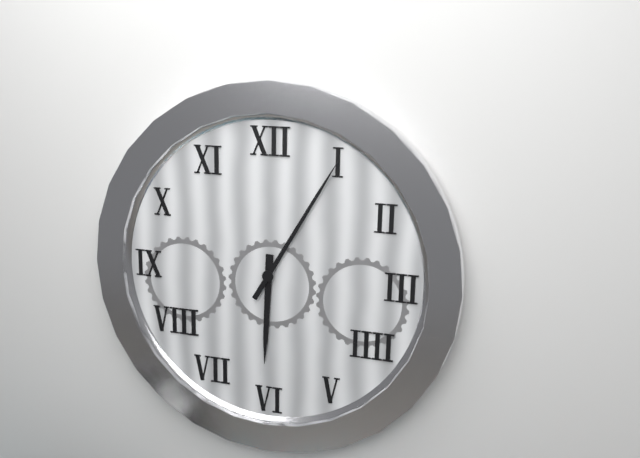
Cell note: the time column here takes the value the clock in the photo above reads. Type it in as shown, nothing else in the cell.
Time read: 6:05
